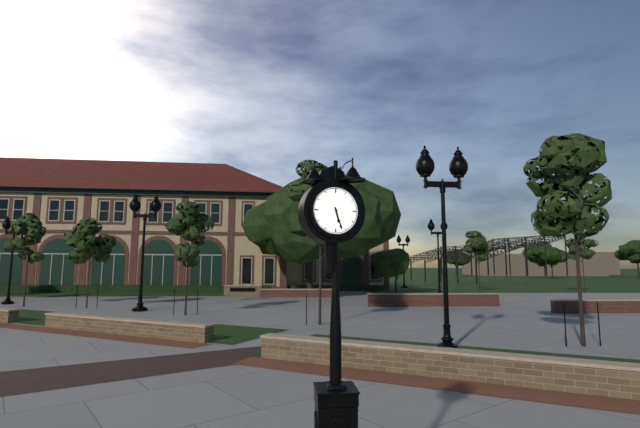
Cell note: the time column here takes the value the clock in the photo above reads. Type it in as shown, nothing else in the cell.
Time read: 5:27
